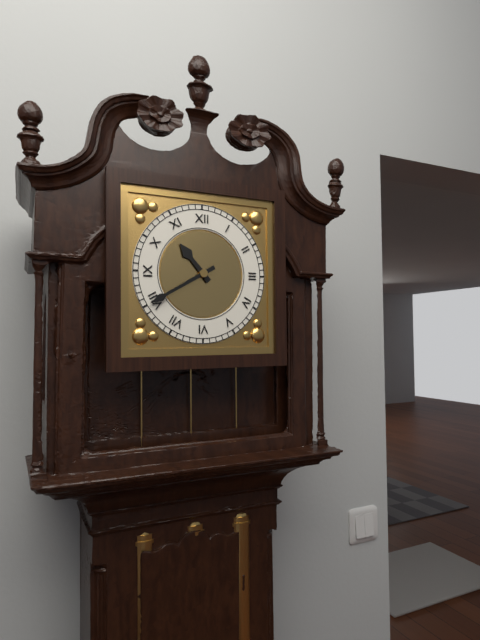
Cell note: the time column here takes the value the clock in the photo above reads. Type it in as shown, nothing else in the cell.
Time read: 10:40
